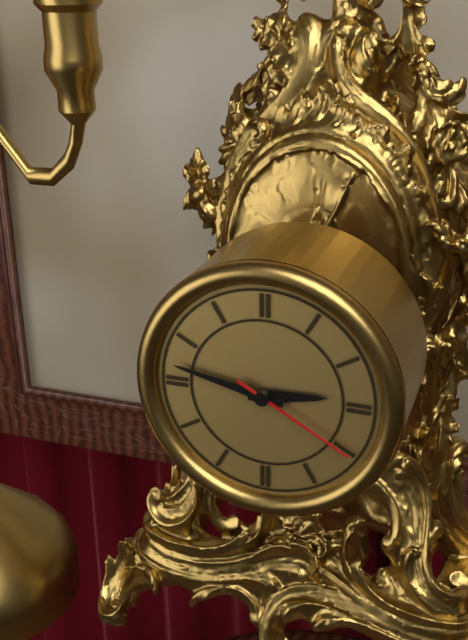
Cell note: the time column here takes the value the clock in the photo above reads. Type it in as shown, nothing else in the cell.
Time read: 2:47:20
